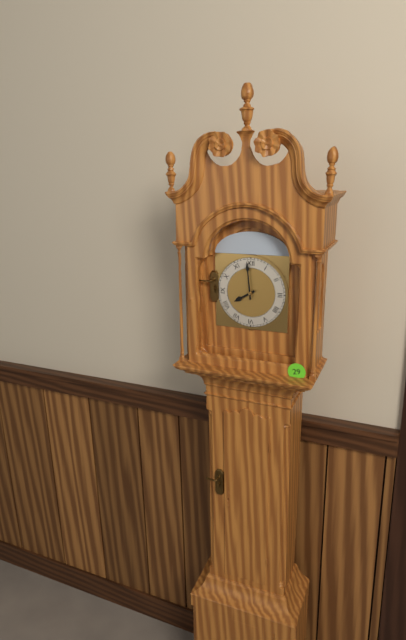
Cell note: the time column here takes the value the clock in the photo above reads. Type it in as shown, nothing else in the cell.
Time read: 7:59
